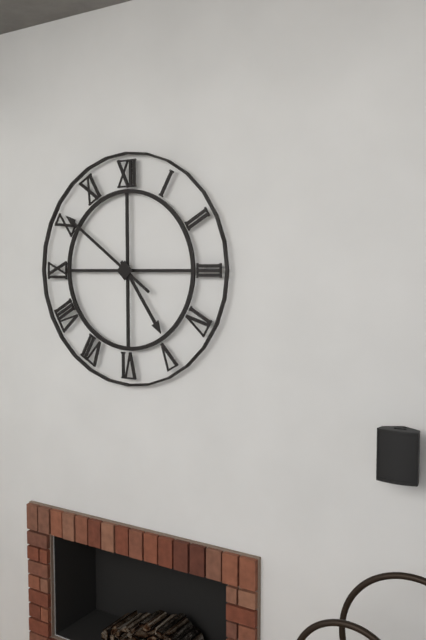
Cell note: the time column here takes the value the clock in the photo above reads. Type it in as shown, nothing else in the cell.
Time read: 4:51
